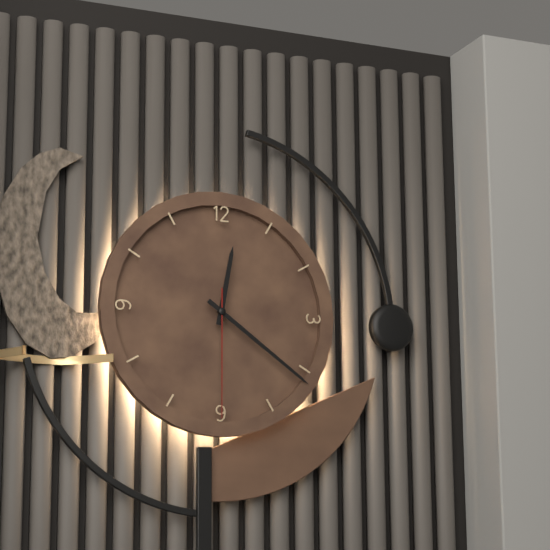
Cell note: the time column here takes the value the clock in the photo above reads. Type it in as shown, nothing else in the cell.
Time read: 12:21:30
